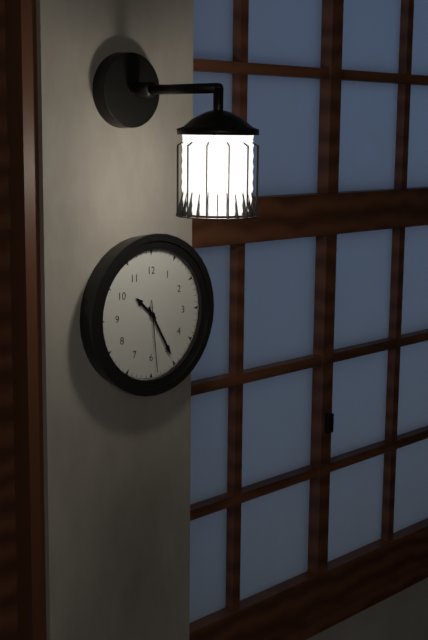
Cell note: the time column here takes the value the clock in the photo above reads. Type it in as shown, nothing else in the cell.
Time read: 10:25:29
